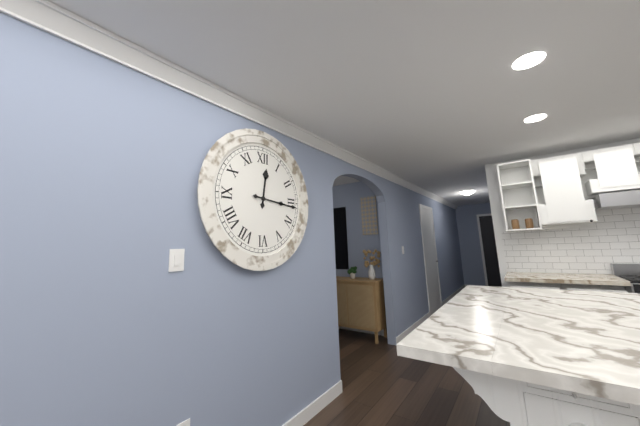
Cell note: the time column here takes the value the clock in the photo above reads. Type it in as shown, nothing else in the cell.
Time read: 12:16
